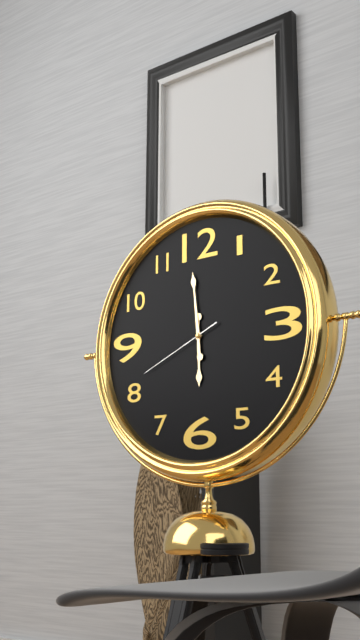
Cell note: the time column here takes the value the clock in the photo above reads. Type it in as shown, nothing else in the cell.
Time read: 5:59:41
